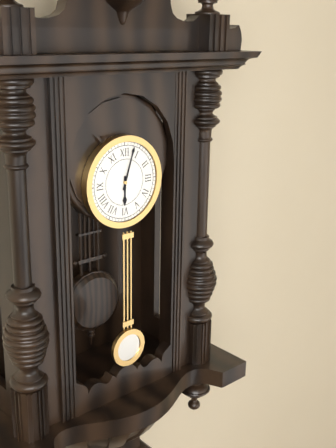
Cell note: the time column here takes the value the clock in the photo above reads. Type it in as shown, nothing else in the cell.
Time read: 6:03
